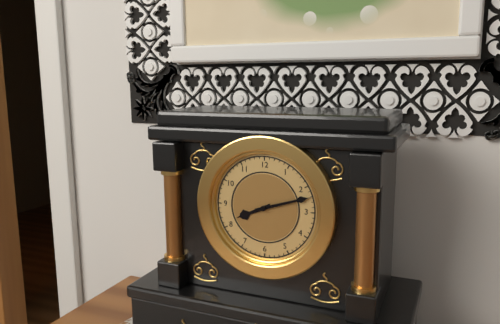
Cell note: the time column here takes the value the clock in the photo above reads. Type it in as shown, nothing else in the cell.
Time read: 8:12
